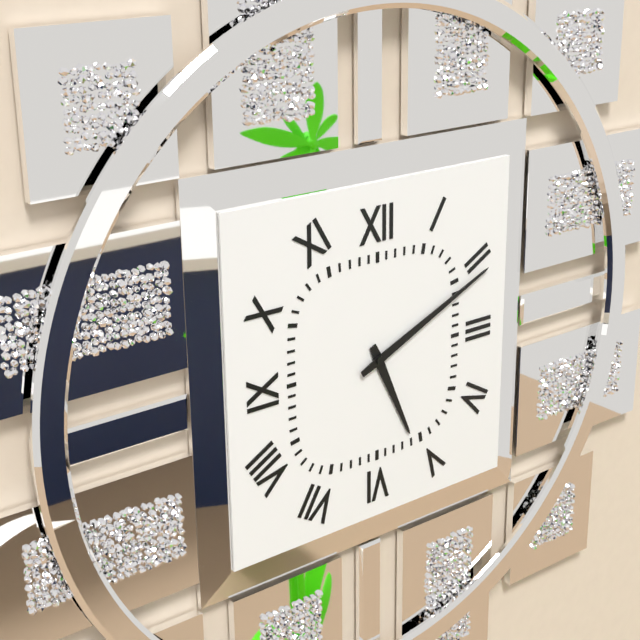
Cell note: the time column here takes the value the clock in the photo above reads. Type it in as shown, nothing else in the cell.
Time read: 5:11
